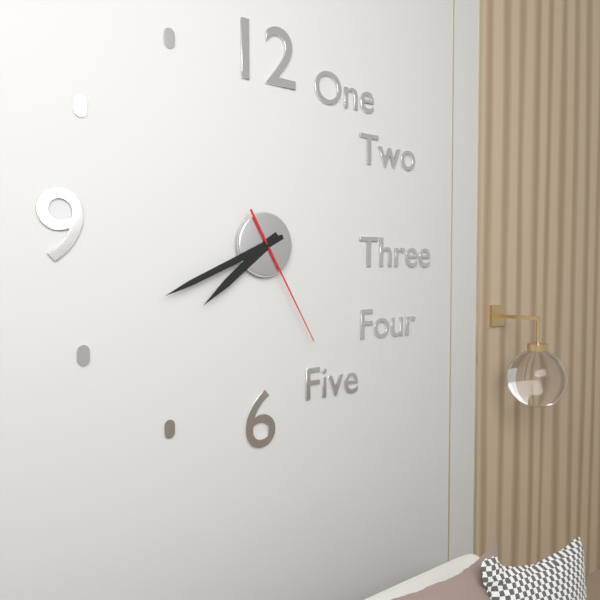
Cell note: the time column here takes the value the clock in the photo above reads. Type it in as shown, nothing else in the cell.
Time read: 7:41:25
